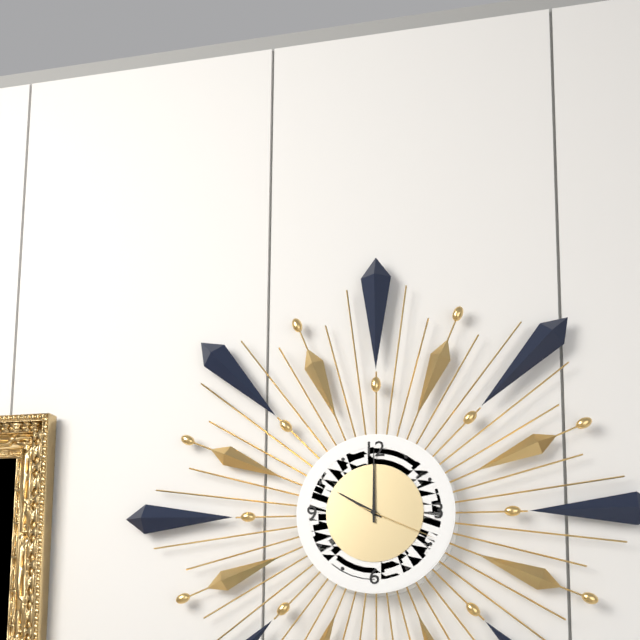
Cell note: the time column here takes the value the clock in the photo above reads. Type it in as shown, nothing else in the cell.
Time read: 10:00:19
